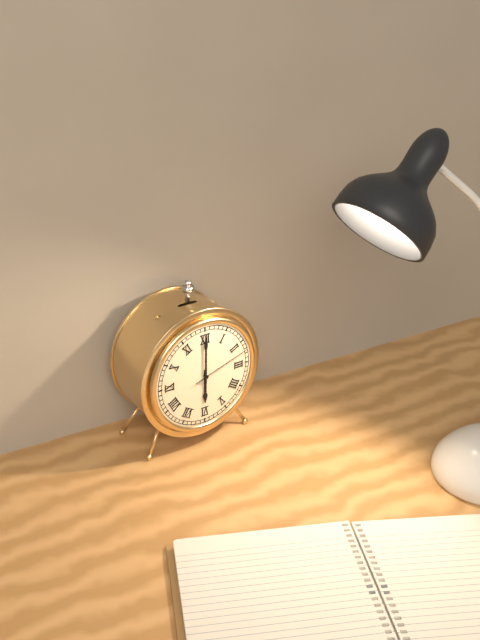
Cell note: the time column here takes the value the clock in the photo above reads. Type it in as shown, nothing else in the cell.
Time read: 6:00:12
